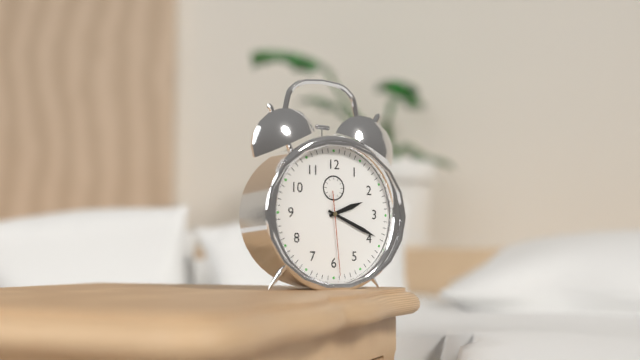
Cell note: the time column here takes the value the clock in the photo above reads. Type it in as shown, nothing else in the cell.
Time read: 2:19:29
